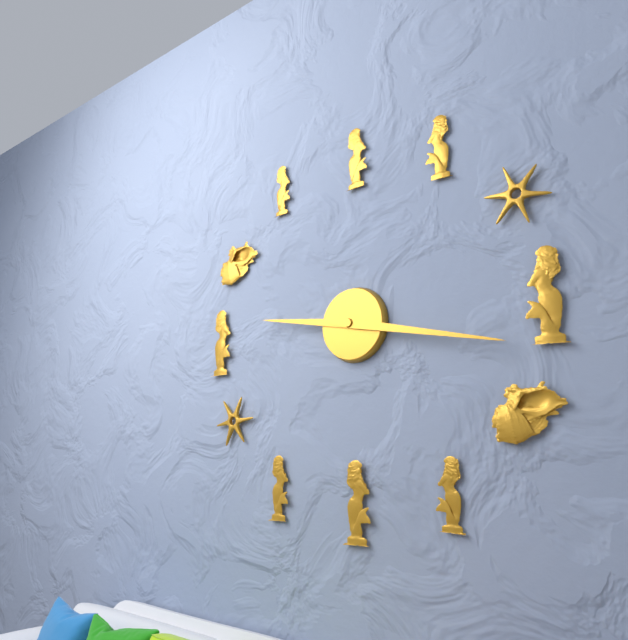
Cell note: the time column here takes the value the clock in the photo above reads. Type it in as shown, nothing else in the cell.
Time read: 9:17
